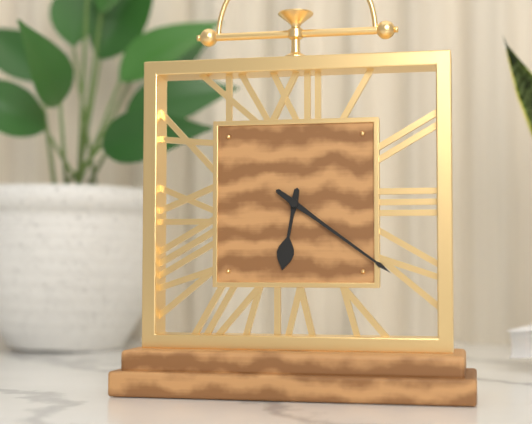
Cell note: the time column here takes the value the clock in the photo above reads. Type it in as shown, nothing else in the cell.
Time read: 6:21
